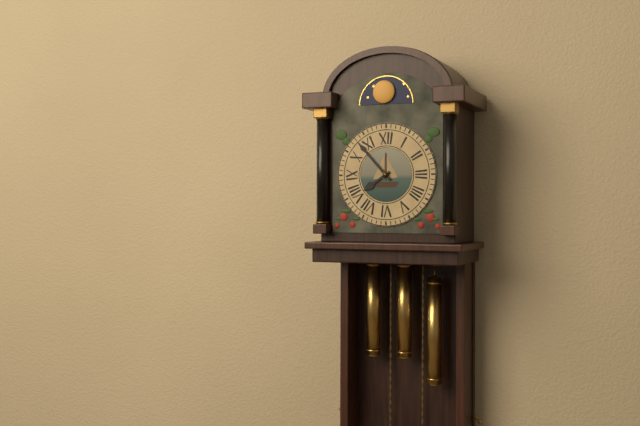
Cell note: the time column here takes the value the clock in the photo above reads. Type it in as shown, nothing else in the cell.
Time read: 7:53
